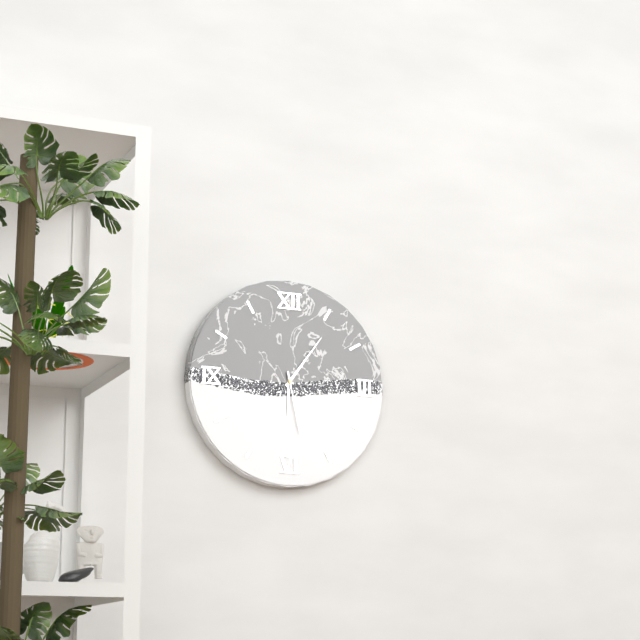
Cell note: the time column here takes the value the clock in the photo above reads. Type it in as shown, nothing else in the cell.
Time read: 6:06:28
